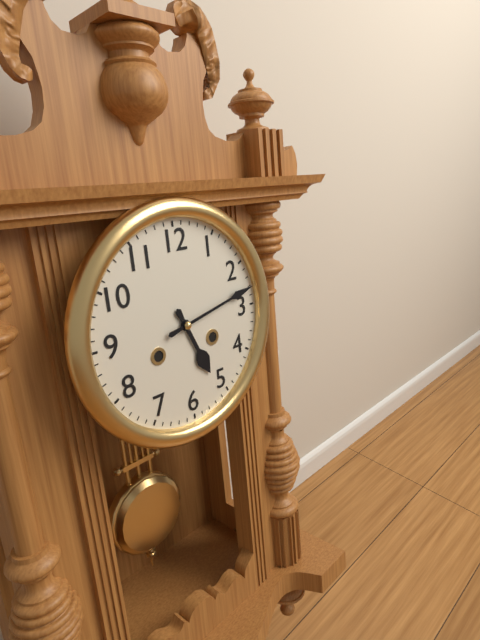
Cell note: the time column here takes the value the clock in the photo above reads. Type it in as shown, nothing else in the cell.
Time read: 5:13
